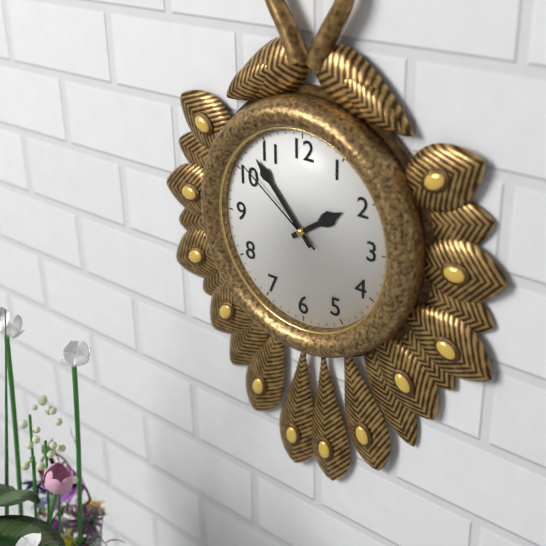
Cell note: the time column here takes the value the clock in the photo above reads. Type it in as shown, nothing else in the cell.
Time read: 1:53:51
